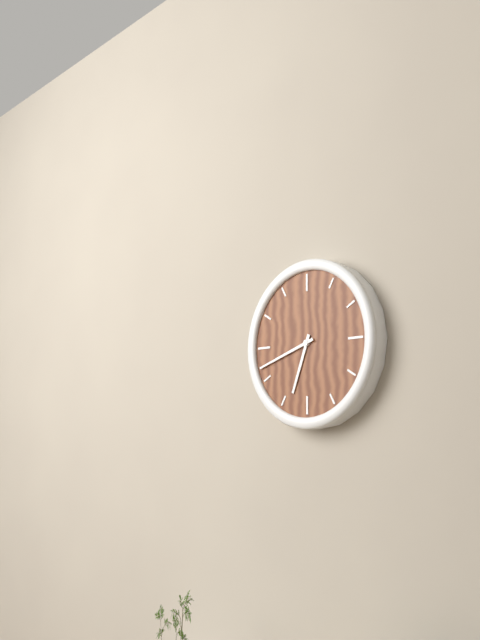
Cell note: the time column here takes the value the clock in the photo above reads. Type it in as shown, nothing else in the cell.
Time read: 6:42
